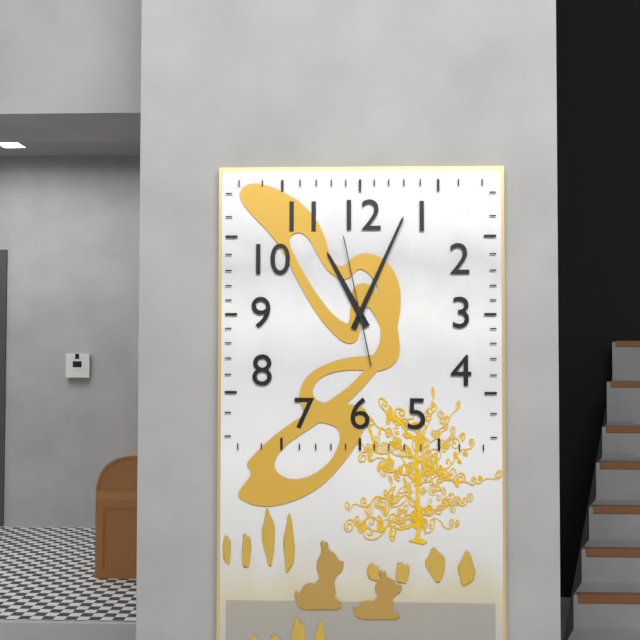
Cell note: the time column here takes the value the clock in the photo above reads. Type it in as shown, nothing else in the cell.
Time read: 11:04:58
